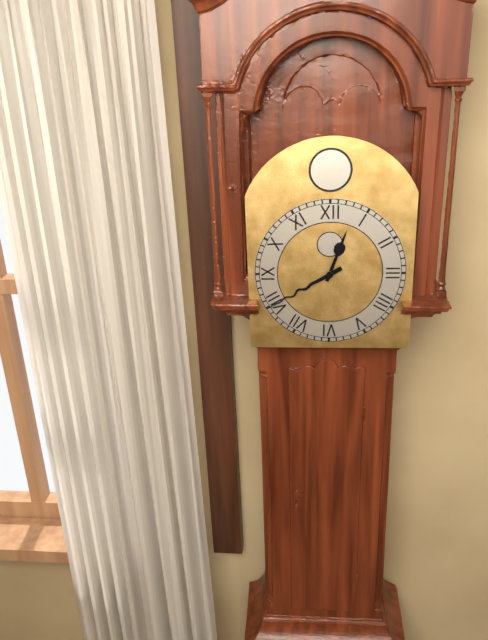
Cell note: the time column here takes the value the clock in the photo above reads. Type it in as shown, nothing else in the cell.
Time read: 12:40
